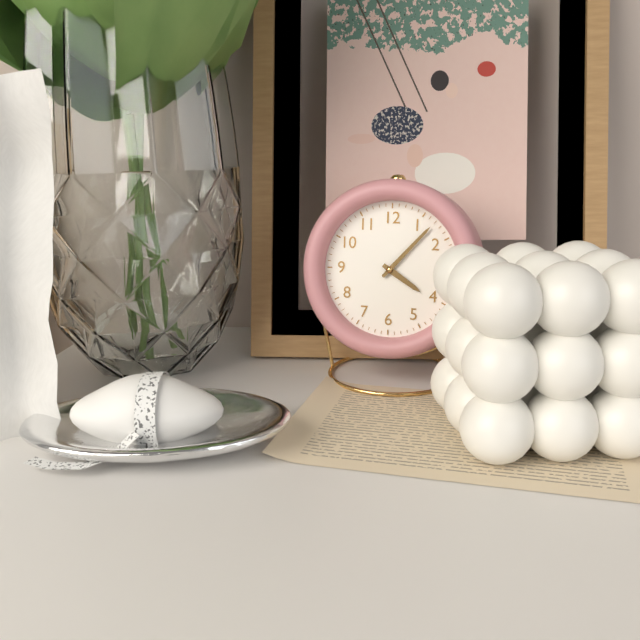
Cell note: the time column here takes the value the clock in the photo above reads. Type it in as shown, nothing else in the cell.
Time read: 4:07
